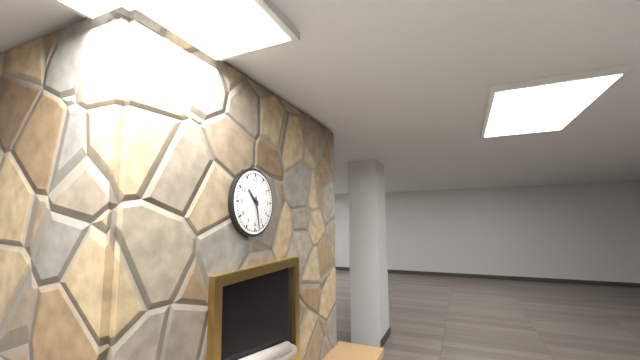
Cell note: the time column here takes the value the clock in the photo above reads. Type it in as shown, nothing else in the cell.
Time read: 10:28
